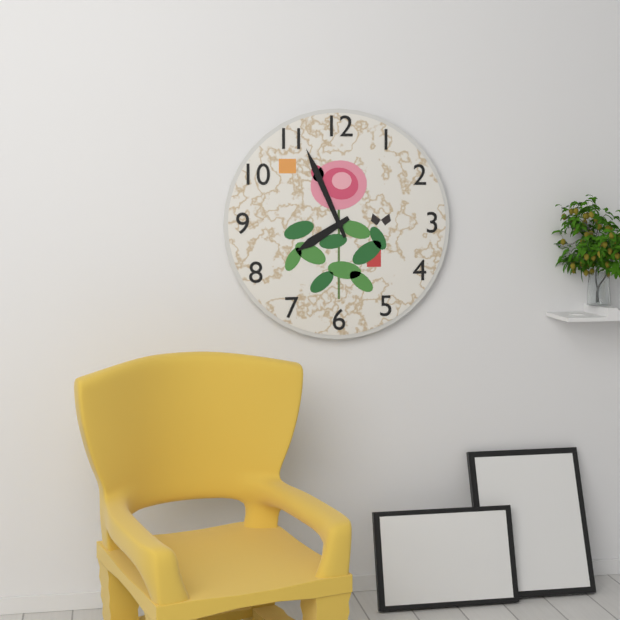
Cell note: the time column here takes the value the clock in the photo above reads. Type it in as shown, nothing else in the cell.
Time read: 7:56
